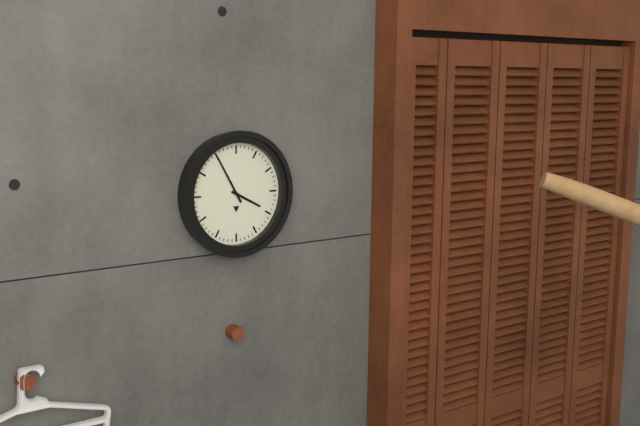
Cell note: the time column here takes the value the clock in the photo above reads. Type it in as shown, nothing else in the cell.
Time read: 3:55
